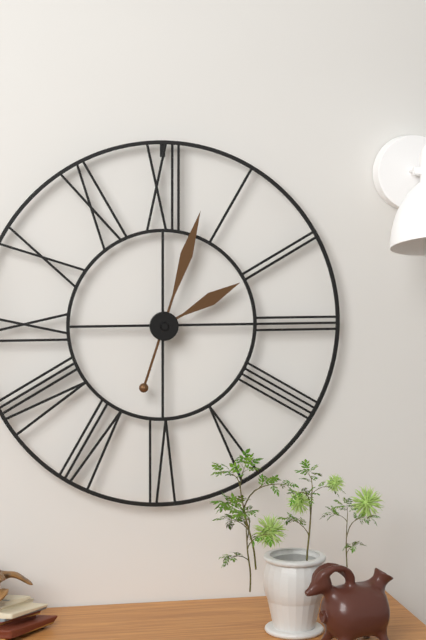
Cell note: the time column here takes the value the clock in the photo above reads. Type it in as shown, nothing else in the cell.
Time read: 2:03
